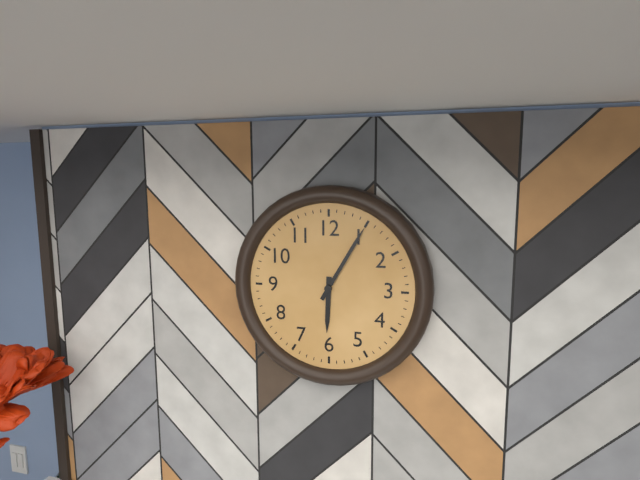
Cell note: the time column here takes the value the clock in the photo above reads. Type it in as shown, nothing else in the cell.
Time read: 6:05
